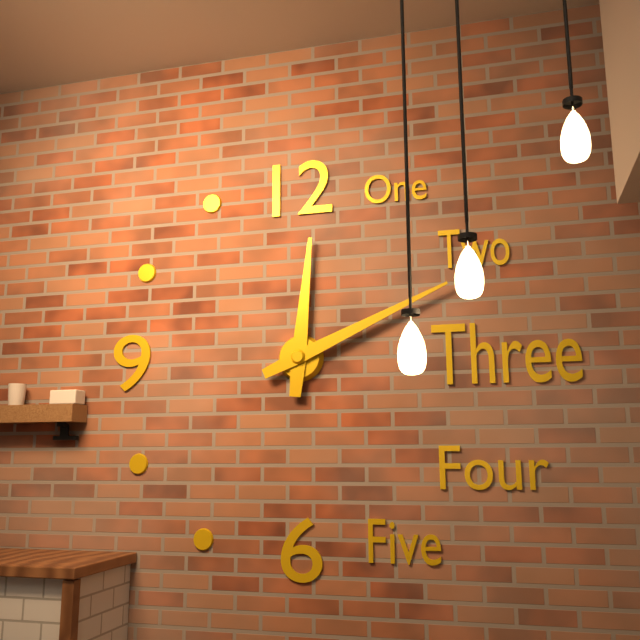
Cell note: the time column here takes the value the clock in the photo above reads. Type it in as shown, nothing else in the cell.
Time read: 12:11
